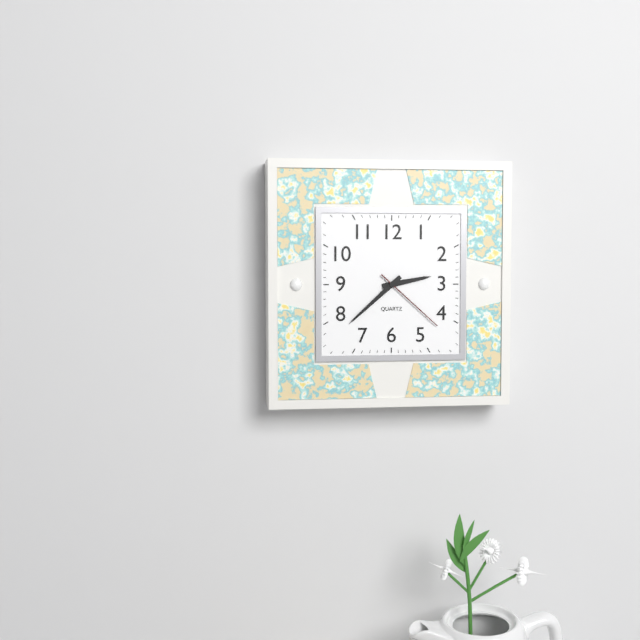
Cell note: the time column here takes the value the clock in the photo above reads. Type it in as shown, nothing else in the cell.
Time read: 2:38:22
